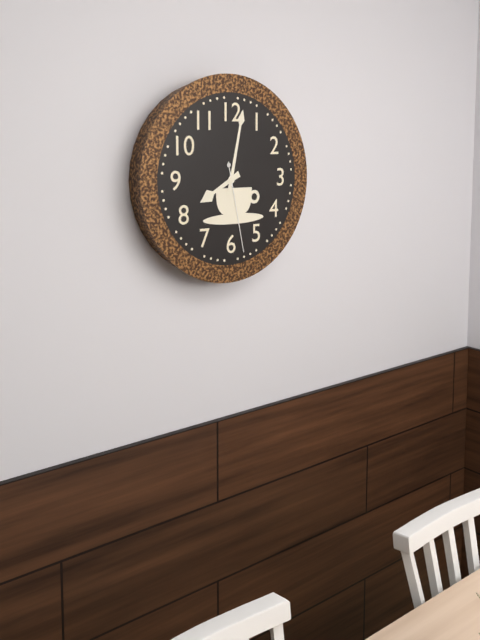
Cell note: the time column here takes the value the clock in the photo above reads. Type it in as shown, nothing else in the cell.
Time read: 8:02:28
